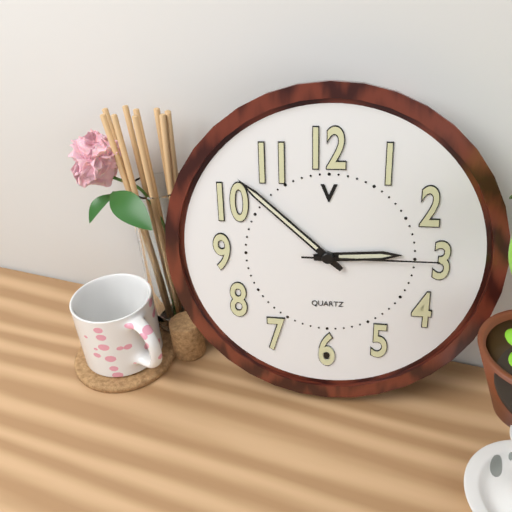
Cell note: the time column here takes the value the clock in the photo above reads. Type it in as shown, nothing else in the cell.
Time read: 2:52:15
